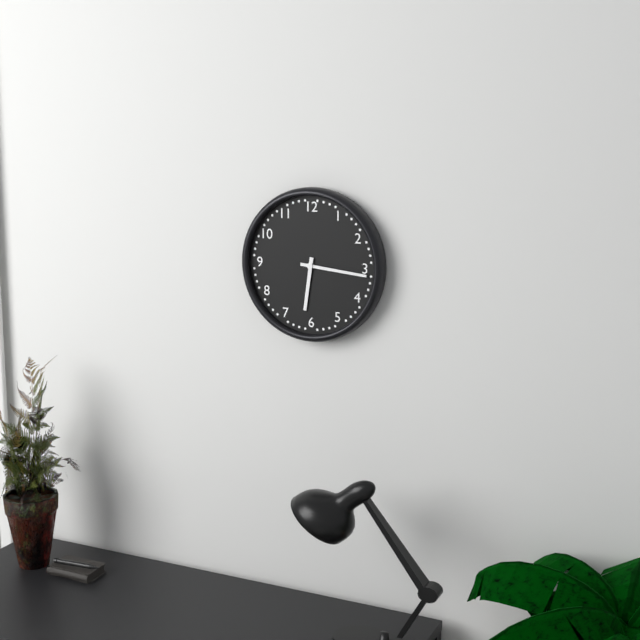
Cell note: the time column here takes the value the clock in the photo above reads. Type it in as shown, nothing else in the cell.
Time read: 6:16
